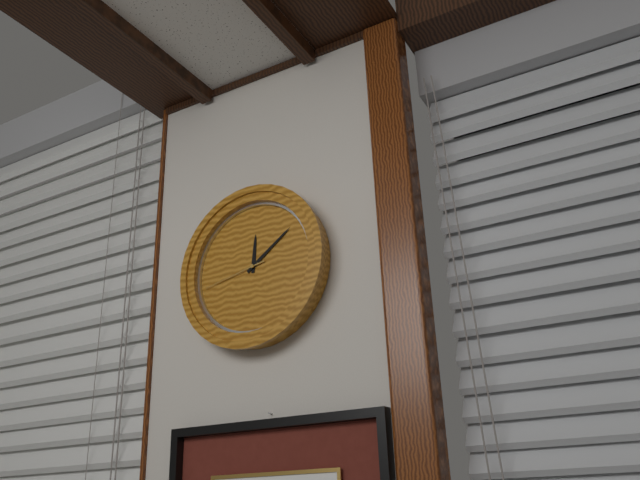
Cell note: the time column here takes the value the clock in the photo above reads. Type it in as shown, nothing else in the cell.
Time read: 12:09:43
